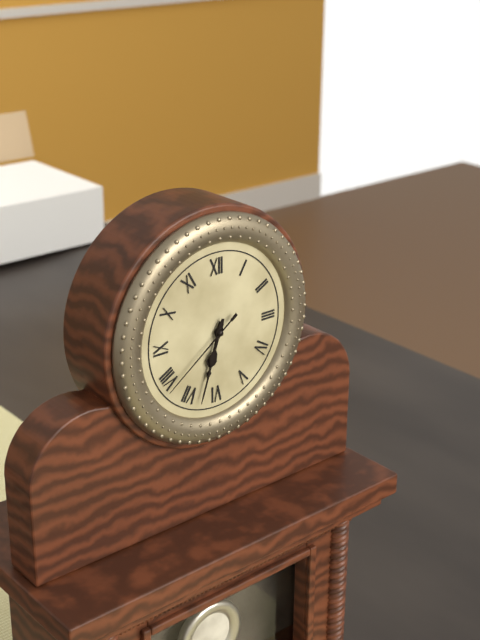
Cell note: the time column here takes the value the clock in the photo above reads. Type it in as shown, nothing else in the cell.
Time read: 6:33:39
